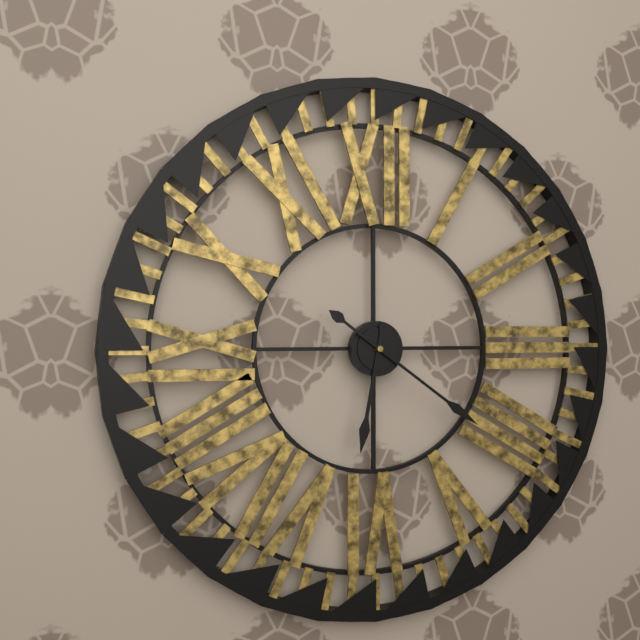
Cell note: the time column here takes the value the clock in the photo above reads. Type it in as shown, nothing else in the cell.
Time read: 6:21
